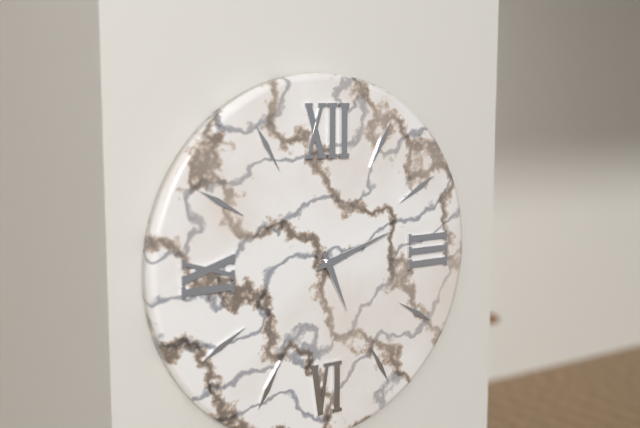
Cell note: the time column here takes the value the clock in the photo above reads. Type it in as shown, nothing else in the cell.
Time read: 5:12
